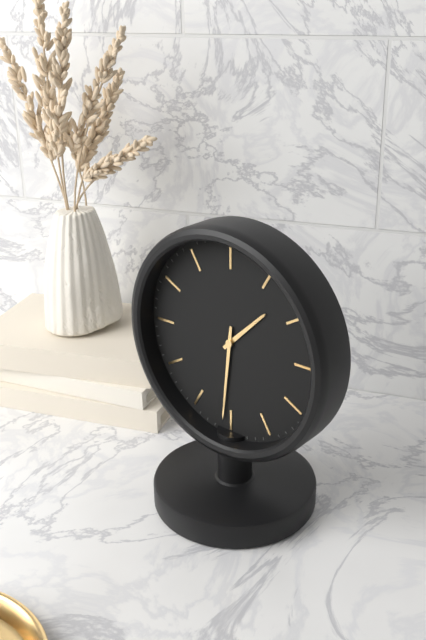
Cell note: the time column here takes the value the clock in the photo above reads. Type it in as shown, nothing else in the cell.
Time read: 1:31
